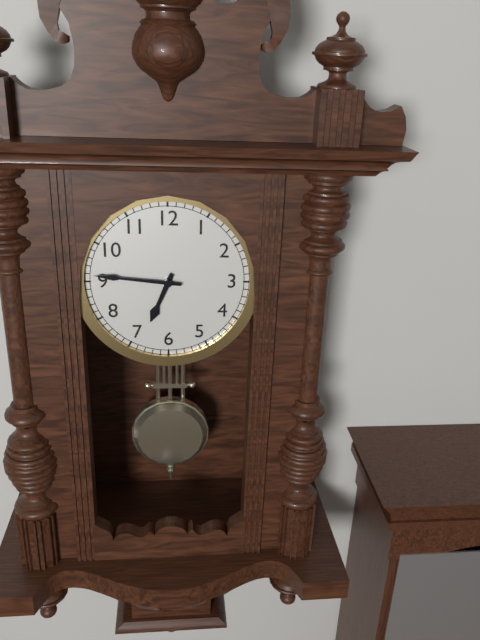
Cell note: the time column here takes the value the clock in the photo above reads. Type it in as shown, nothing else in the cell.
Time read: 6:46
